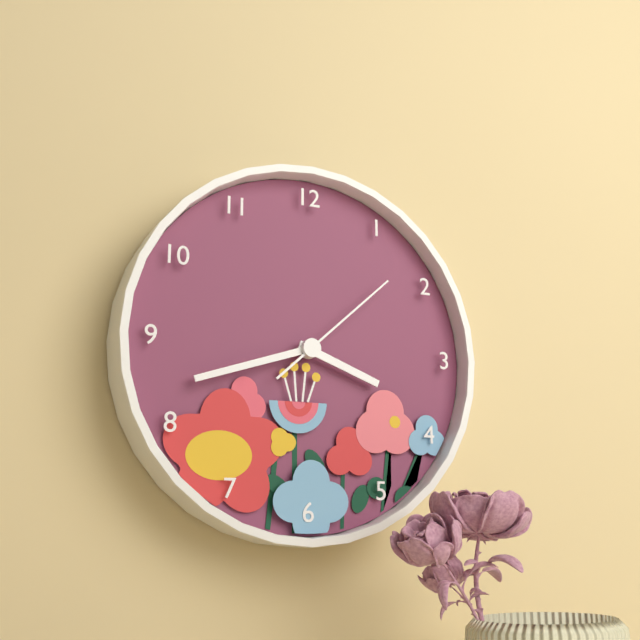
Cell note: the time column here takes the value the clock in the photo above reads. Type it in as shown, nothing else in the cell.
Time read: 3:42:08
